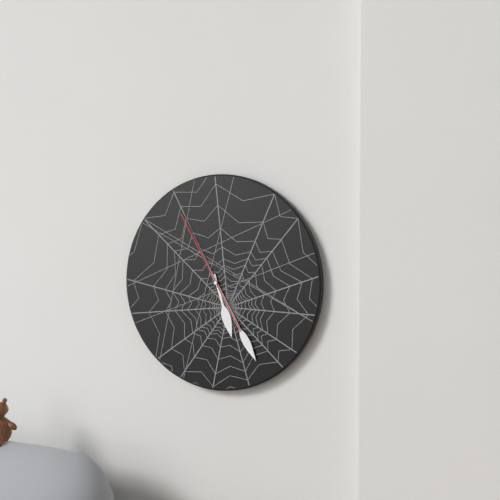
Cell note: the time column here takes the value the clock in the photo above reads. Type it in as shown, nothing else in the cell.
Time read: 5:25:55
